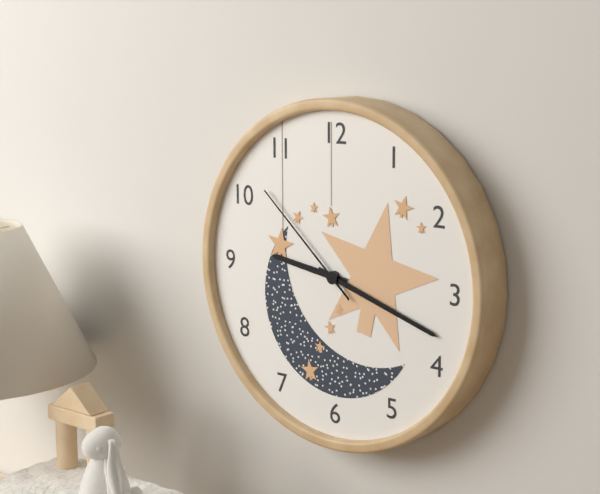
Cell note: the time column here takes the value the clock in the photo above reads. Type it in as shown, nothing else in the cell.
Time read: 9:18:52
